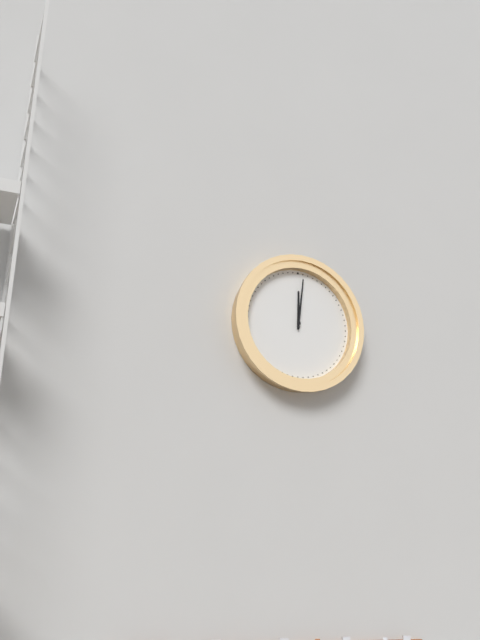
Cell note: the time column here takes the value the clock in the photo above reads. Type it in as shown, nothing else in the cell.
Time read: 12:01
